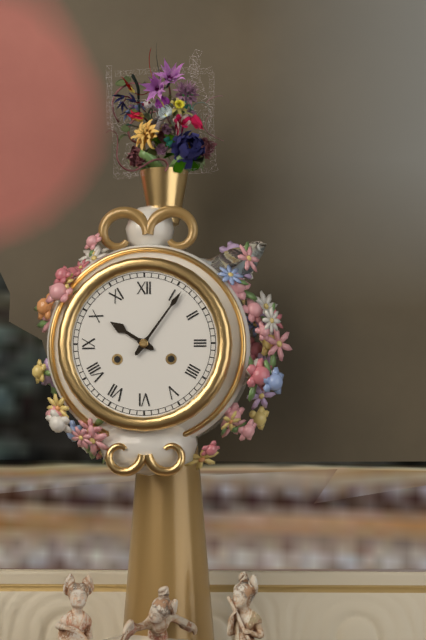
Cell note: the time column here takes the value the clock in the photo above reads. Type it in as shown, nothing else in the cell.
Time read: 10:06
